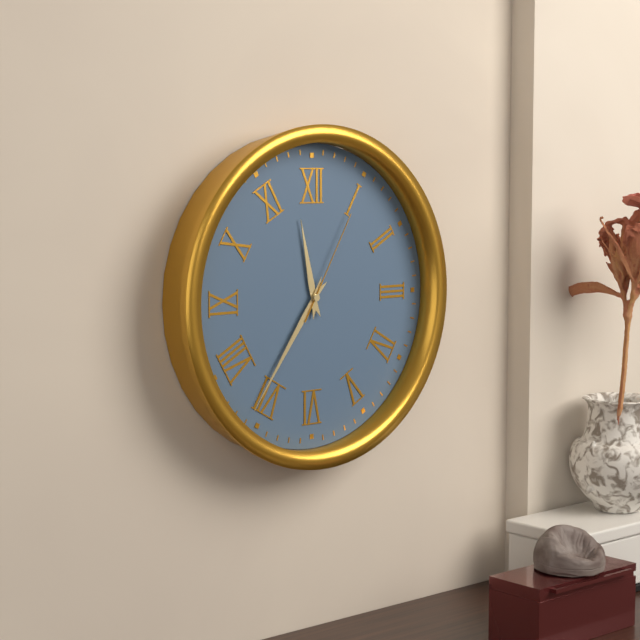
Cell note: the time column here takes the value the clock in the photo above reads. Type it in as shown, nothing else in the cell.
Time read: 11:36:05
